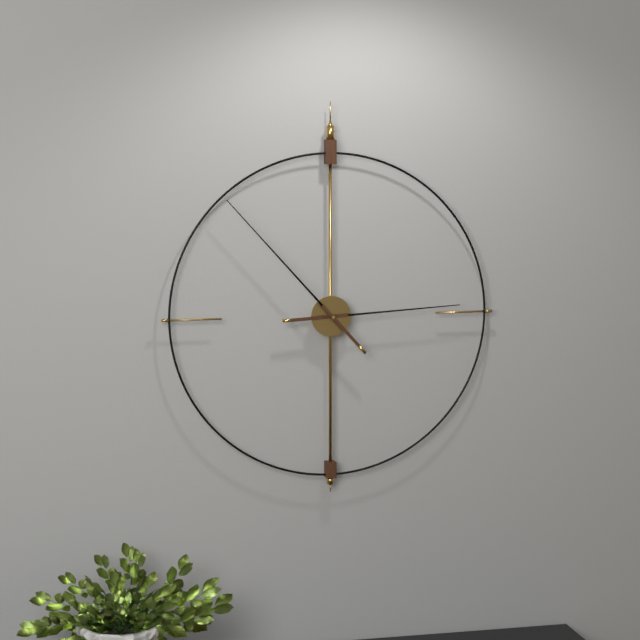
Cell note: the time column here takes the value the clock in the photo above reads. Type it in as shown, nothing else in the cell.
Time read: 2:53
